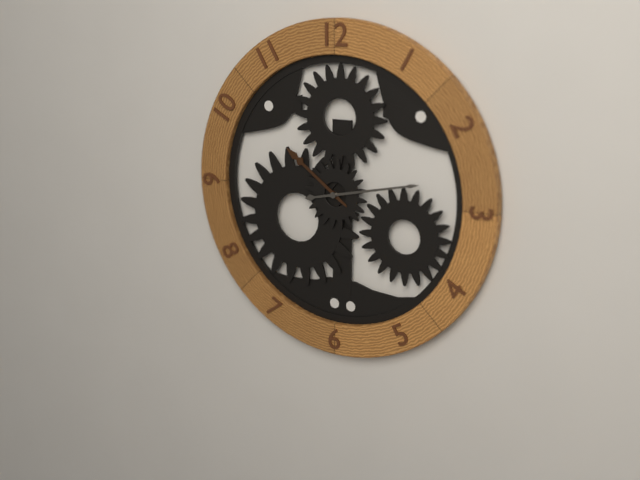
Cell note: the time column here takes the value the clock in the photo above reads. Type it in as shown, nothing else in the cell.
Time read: 10:13
